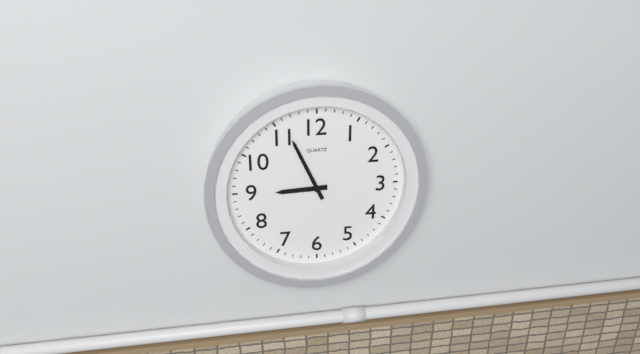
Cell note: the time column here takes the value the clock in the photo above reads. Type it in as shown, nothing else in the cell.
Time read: 8:56
